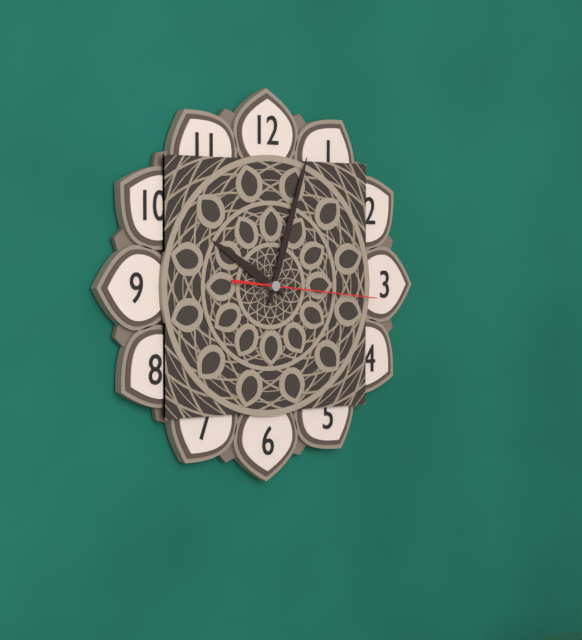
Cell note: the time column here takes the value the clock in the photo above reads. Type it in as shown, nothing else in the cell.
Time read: 10:03:16
